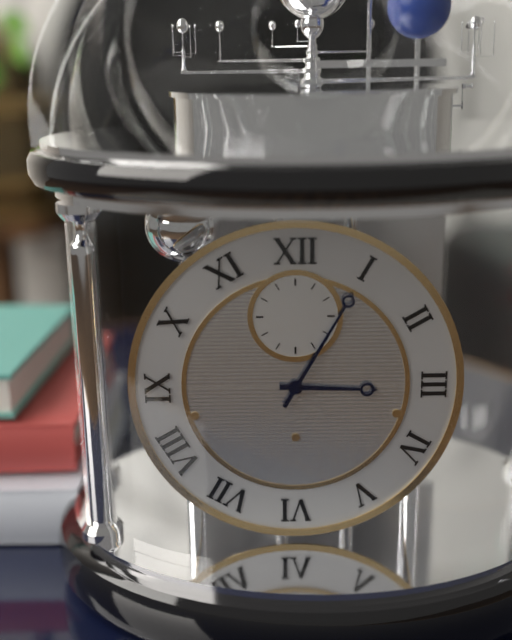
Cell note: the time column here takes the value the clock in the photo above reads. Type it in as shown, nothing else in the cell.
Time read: 3:05
